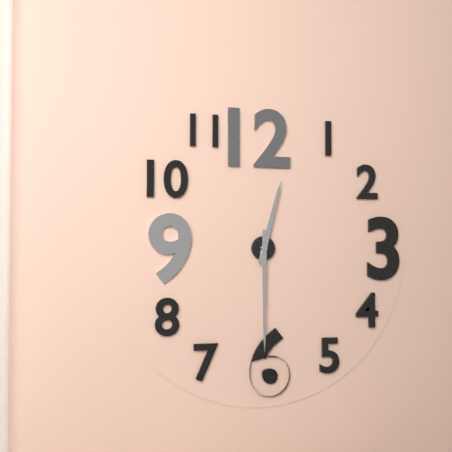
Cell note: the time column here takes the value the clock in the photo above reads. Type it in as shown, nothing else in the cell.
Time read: 12:30
